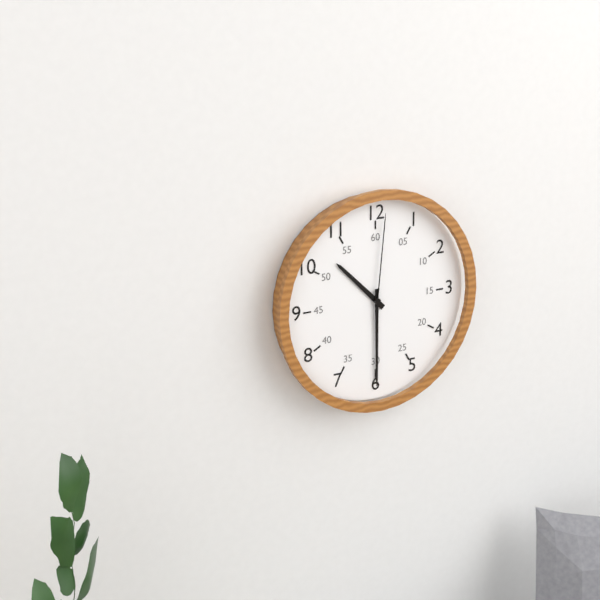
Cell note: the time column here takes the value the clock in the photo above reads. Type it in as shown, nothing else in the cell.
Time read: 10:30:01
